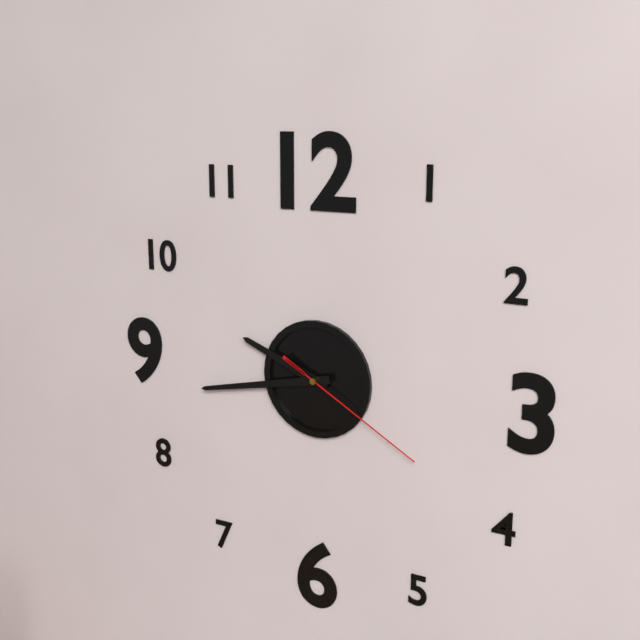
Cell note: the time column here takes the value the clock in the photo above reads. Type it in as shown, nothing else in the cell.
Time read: 9:43:20
